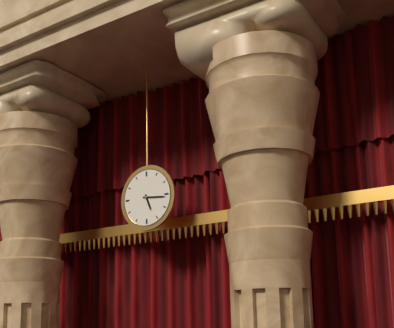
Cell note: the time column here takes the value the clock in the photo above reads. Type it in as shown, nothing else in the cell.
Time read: 5:16
